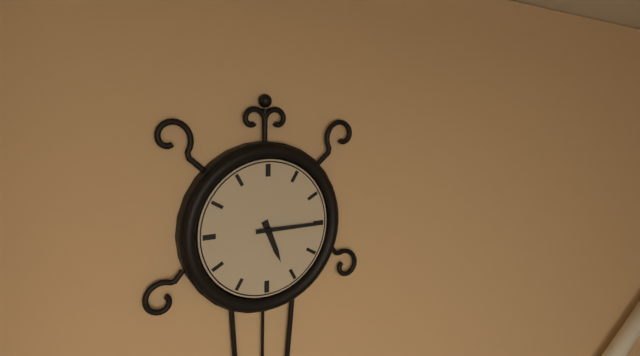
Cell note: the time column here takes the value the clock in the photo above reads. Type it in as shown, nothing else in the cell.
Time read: 5:15
